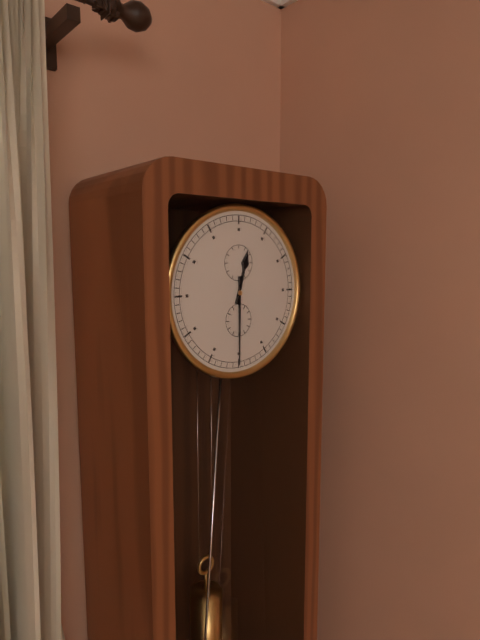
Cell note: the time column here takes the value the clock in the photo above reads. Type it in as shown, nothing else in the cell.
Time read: 12:30
